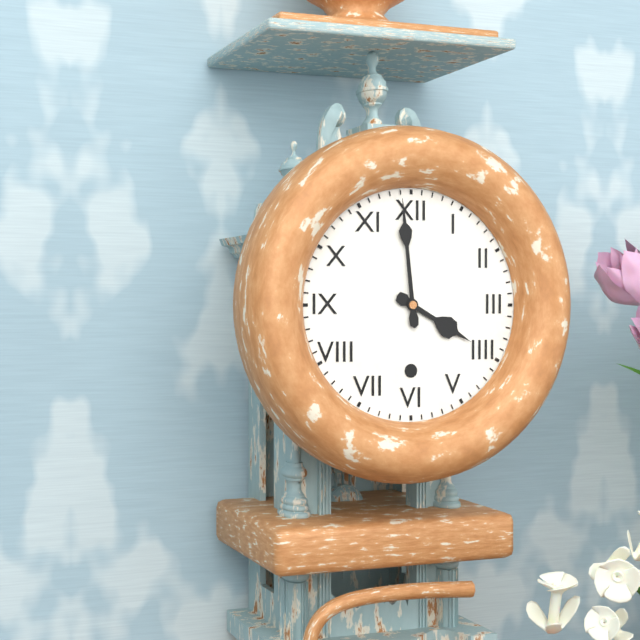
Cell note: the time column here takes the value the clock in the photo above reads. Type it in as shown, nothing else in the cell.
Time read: 3:59
